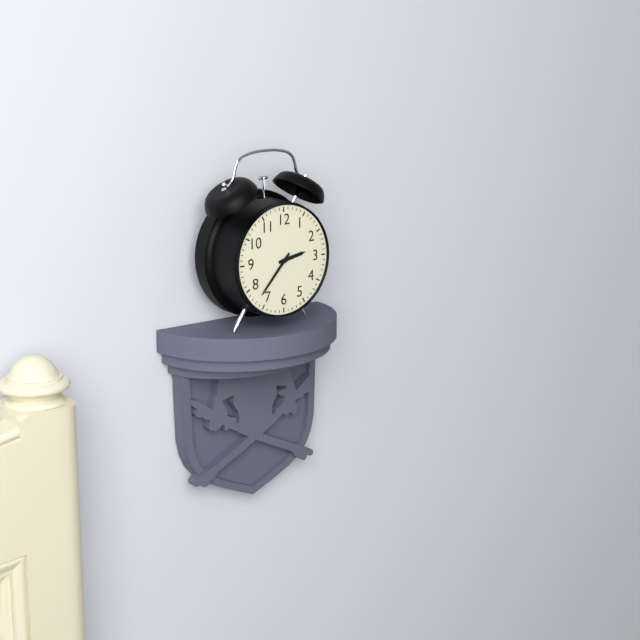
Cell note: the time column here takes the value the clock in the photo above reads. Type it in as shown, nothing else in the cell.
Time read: 2:37
